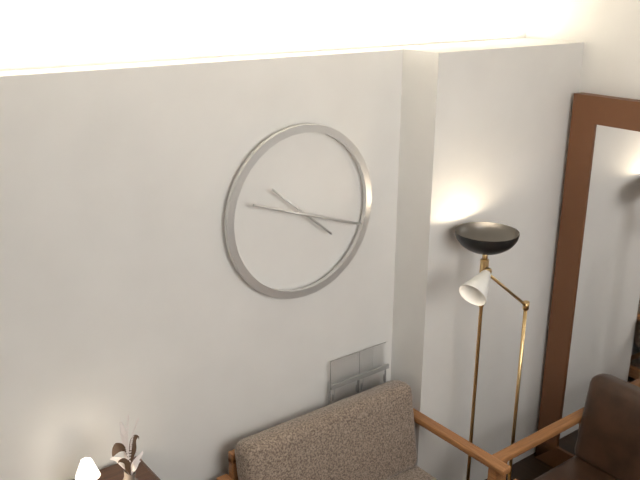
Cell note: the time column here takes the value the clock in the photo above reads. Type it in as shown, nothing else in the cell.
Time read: 10:18:18
